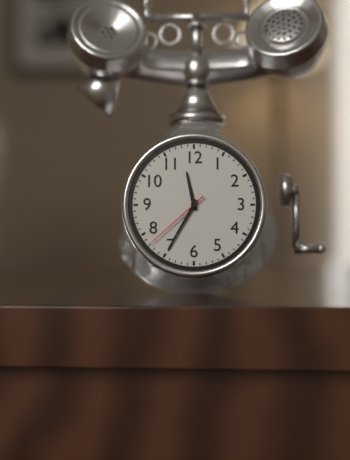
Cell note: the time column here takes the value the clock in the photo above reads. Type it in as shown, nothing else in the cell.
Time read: 11:35:38
